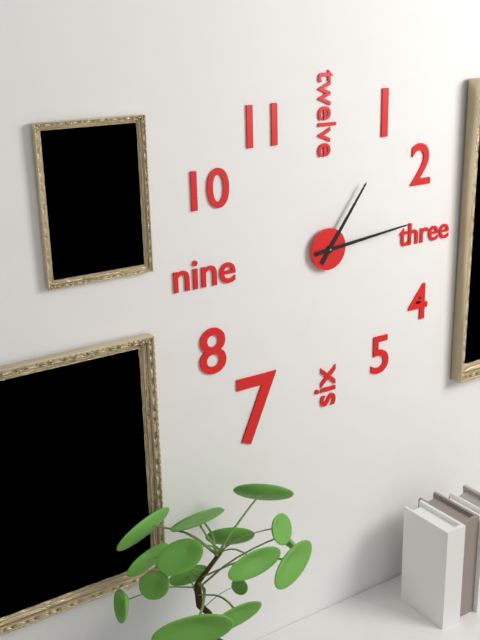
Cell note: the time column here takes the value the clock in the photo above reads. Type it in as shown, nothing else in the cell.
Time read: 1:14
